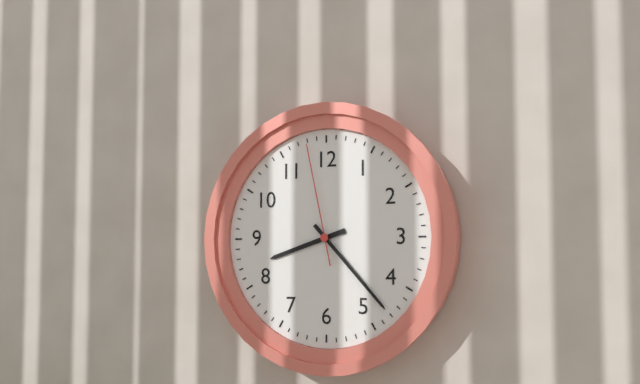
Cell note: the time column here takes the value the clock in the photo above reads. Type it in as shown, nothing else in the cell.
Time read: 8:23:58
